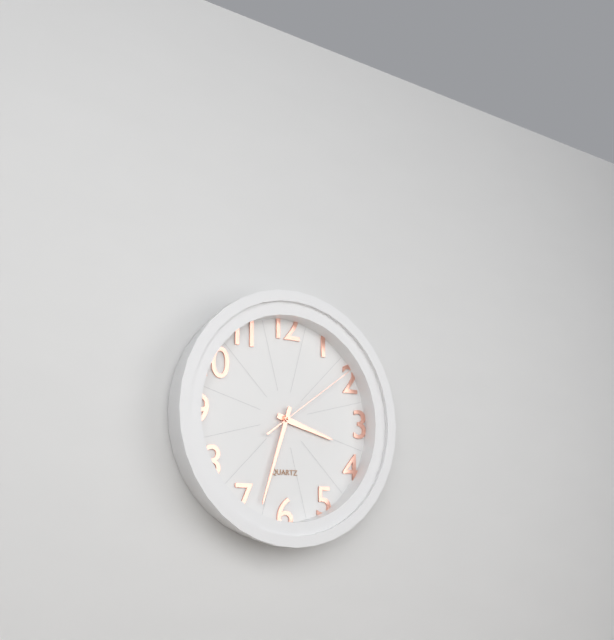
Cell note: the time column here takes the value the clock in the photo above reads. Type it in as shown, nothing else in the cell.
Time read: 3:33:09
